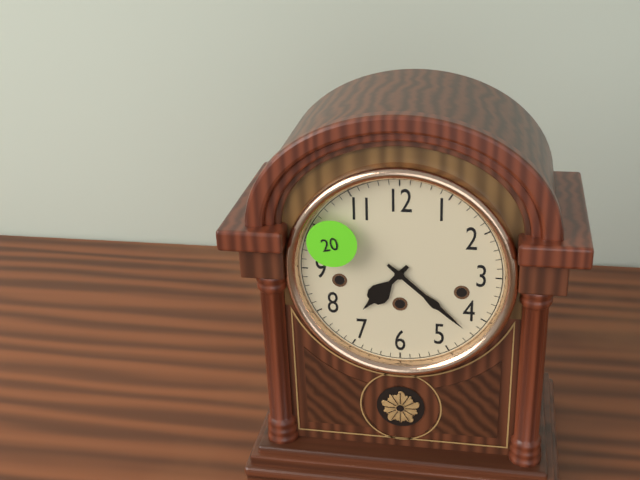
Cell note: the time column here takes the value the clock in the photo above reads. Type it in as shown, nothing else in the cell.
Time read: 7:22
